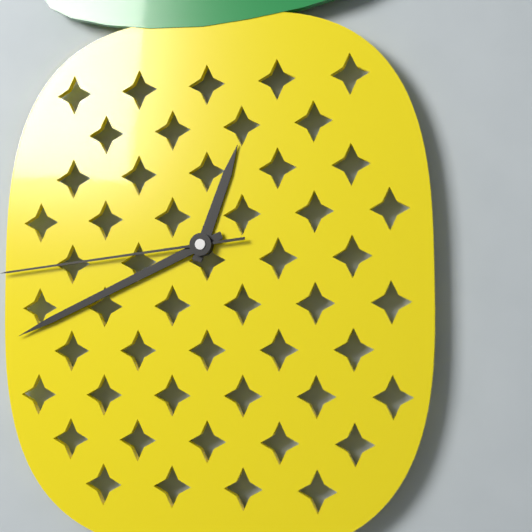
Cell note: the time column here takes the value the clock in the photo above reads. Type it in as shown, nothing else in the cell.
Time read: 12:41
